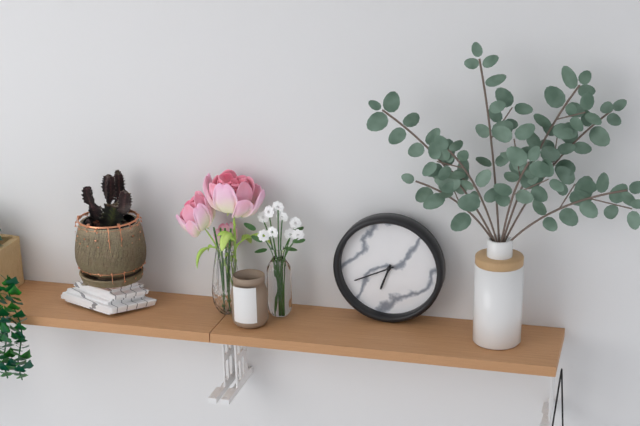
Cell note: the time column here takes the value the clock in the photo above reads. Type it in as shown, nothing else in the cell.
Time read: 6:41
